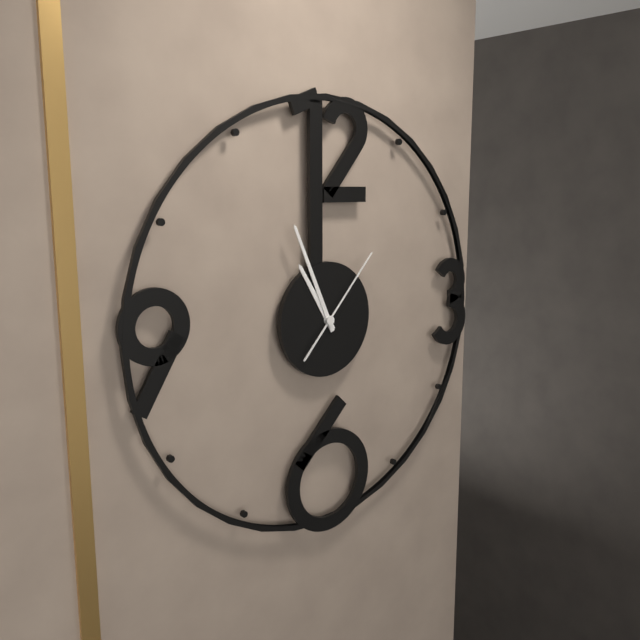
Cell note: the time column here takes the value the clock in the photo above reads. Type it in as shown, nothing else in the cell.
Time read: 10:56:07
